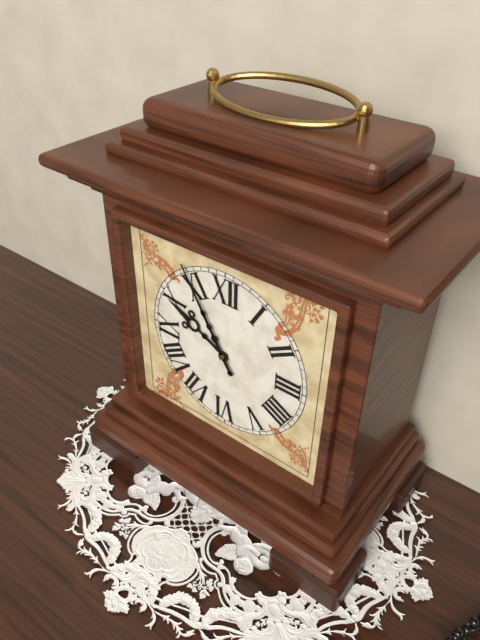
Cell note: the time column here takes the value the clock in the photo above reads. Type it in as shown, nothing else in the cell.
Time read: 9:55
